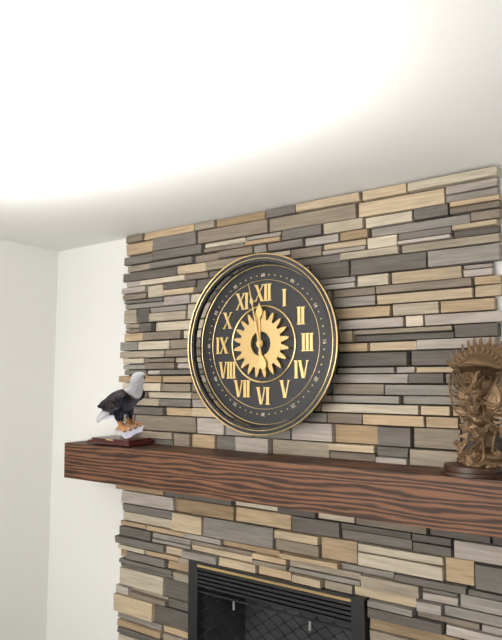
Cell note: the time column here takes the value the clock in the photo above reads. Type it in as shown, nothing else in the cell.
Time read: 11:58
